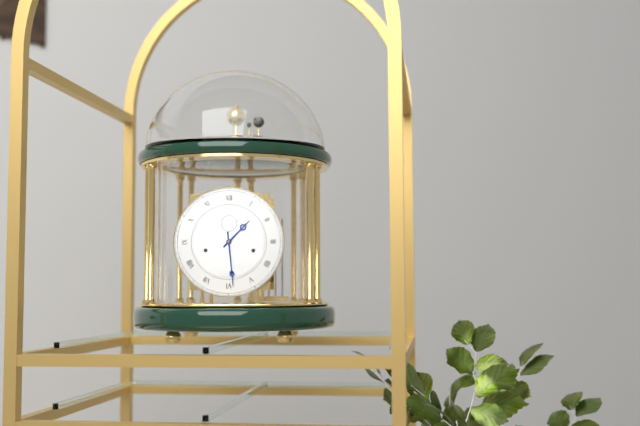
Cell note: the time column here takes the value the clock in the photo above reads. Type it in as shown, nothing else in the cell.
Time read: 1:29
